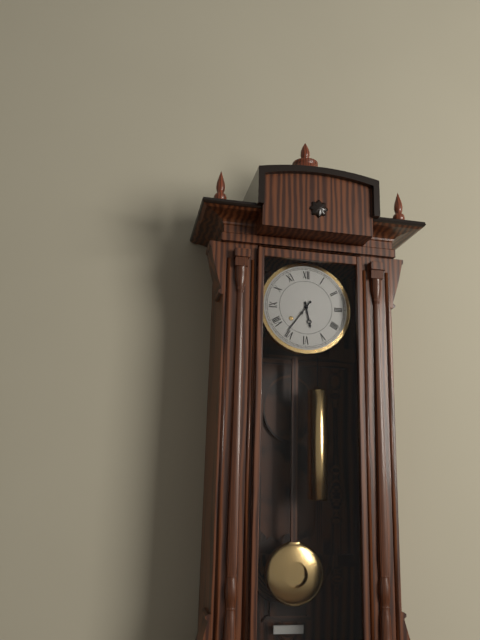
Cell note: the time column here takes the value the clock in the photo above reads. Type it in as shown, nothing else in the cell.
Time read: 5:36
